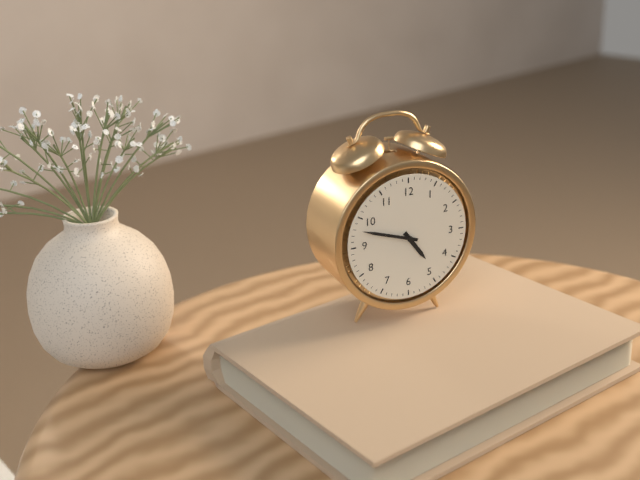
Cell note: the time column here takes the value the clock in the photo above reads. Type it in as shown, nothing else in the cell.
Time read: 4:48
